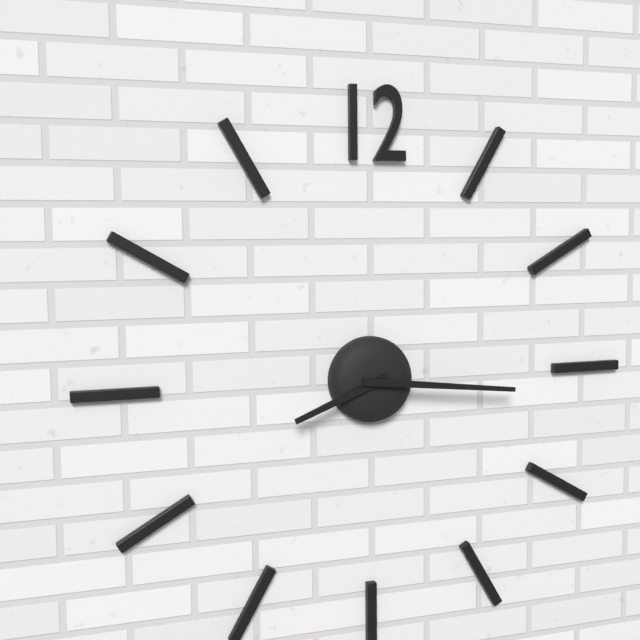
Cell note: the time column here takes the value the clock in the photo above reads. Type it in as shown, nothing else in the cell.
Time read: 8:16
